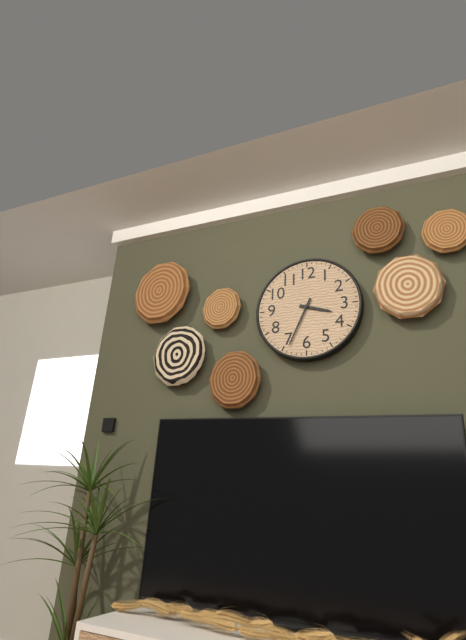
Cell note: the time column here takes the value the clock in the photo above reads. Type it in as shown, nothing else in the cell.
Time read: 3:34
